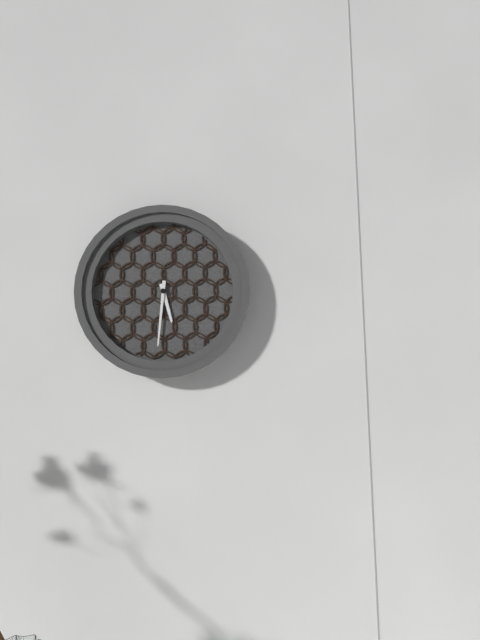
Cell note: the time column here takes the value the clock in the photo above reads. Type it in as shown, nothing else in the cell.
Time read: 5:31
